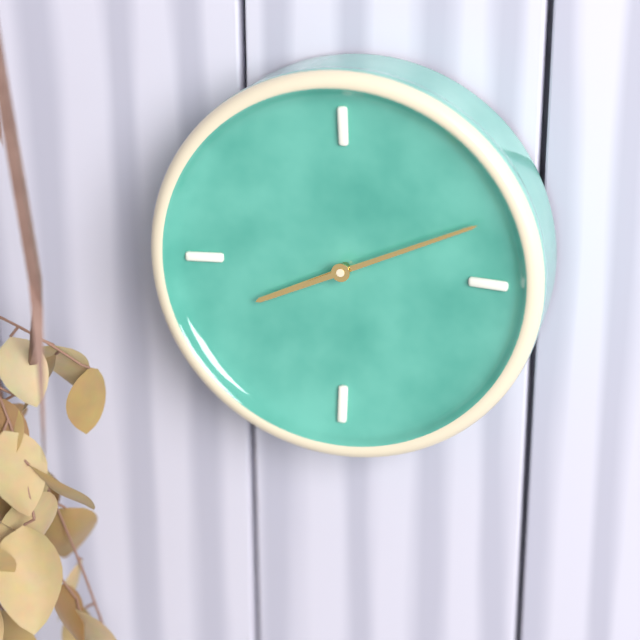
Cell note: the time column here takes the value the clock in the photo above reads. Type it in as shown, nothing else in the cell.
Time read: 8:11
